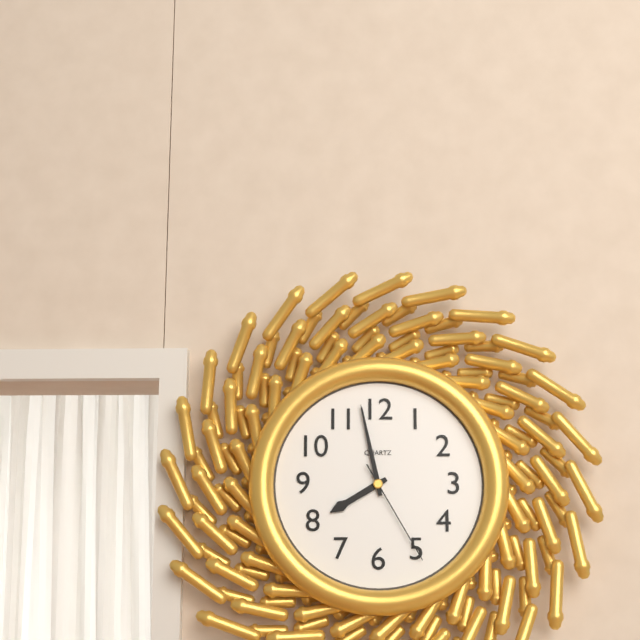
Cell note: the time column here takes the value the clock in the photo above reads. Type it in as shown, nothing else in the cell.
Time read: 7:58:25
